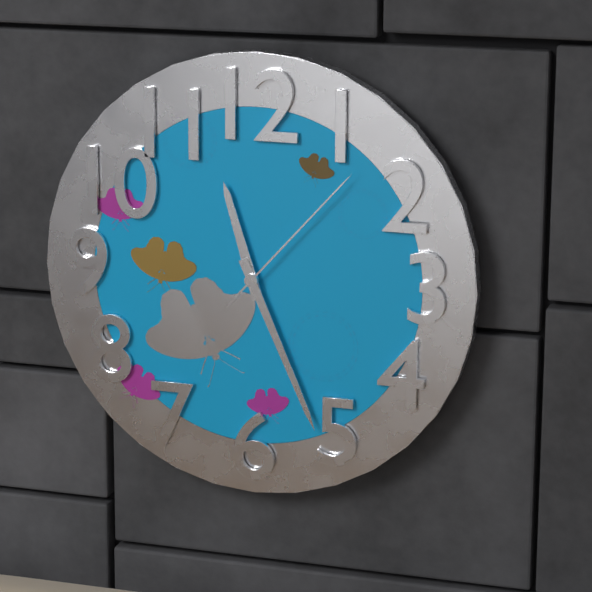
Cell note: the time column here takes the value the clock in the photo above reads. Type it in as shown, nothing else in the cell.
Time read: 11:26:07
